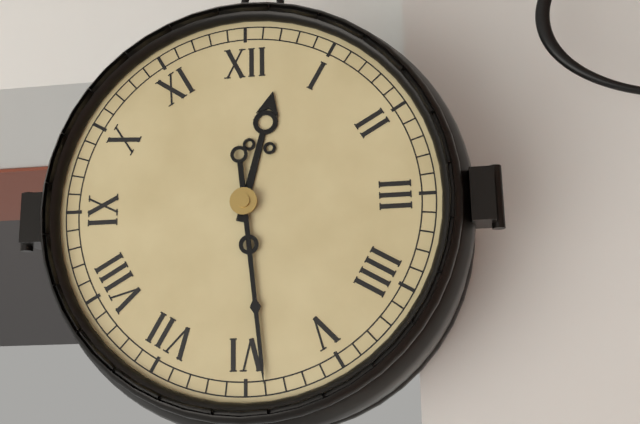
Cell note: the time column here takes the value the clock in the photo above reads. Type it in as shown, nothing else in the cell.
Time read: 12:29
